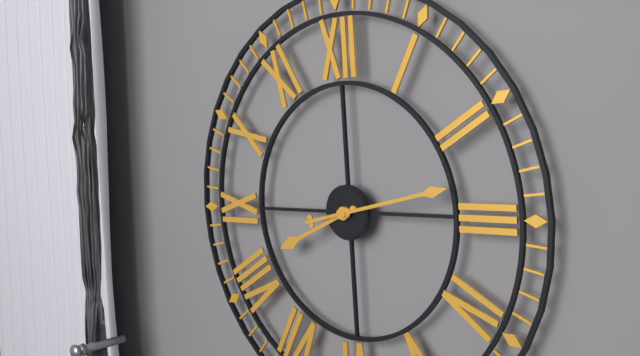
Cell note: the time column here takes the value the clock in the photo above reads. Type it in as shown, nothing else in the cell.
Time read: 8:13
